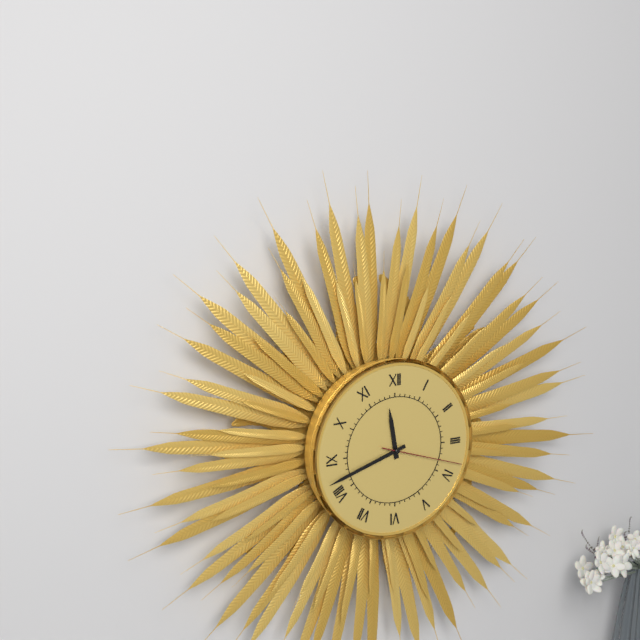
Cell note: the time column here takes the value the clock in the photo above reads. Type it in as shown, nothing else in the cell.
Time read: 11:42:18
